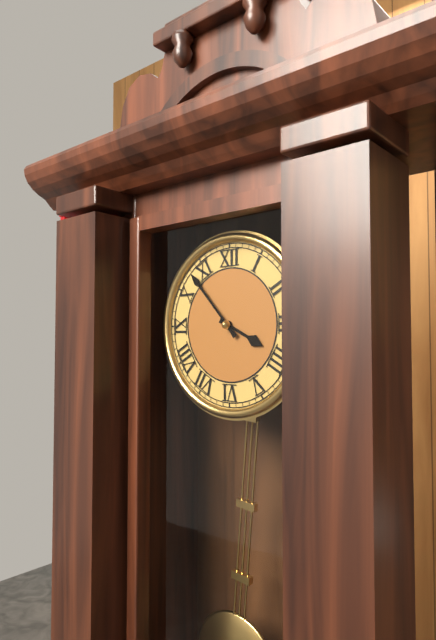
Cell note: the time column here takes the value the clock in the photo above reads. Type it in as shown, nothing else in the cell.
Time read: 3:53
